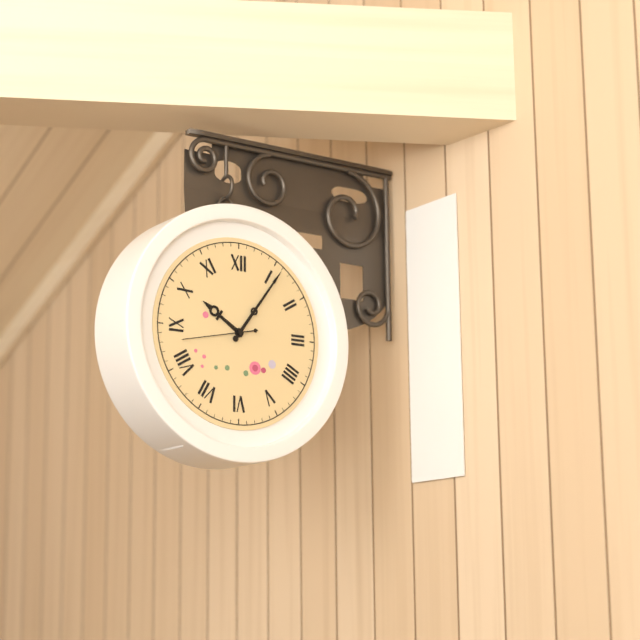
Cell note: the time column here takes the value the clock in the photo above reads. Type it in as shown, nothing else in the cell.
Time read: 10:06:43
